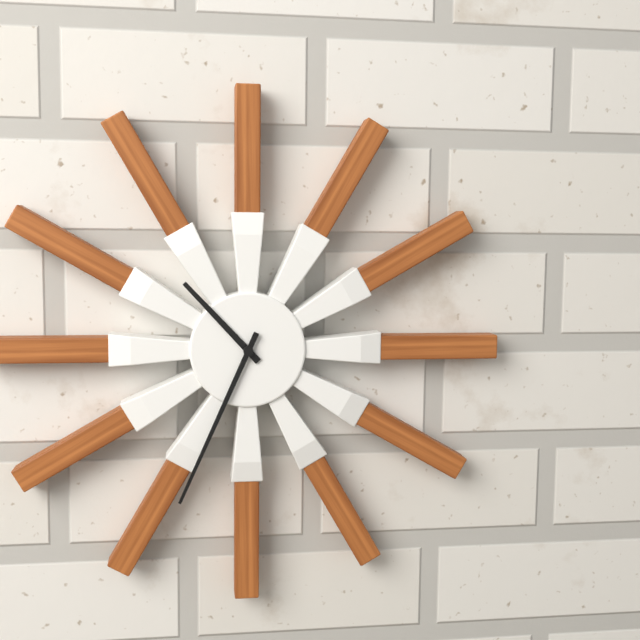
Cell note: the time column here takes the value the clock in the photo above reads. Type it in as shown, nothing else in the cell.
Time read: 10:34
